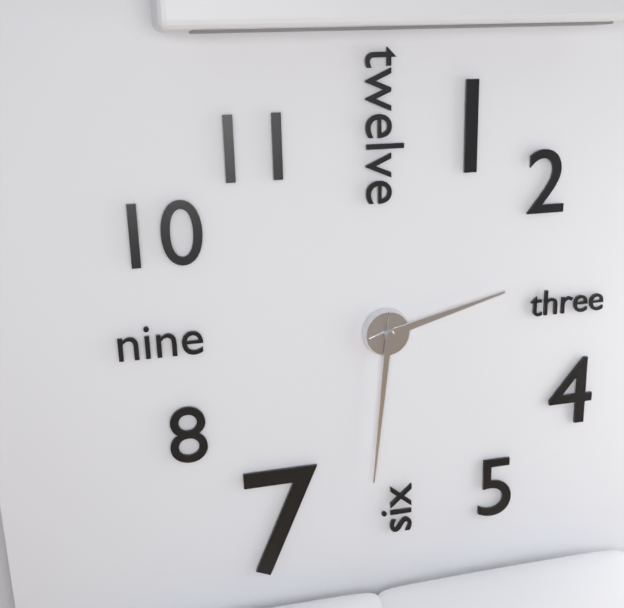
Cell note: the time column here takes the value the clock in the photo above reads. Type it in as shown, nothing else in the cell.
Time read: 2:31
